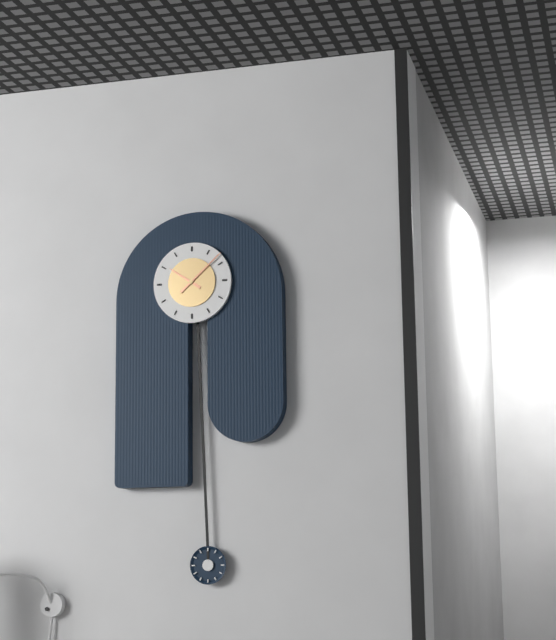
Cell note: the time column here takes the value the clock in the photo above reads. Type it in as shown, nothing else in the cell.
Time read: 10:08
